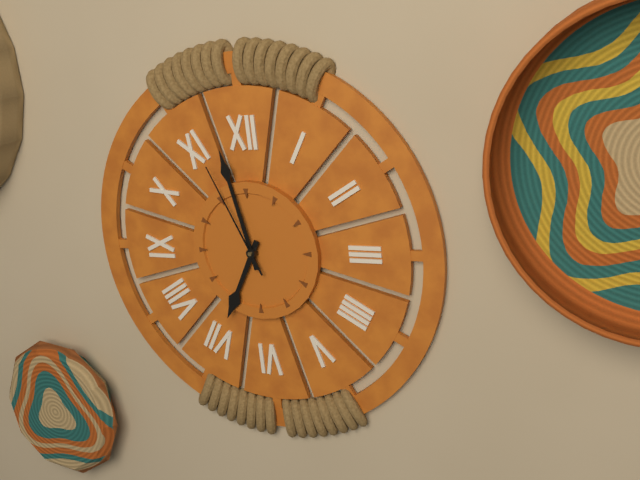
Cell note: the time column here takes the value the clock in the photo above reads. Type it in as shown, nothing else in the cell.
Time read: 6:58:56
